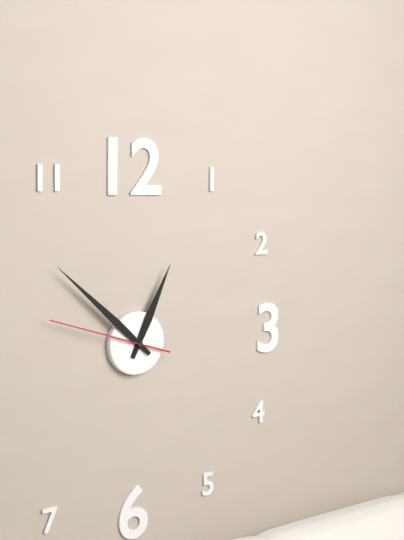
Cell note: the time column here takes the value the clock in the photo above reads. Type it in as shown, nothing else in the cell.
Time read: 12:52:48
